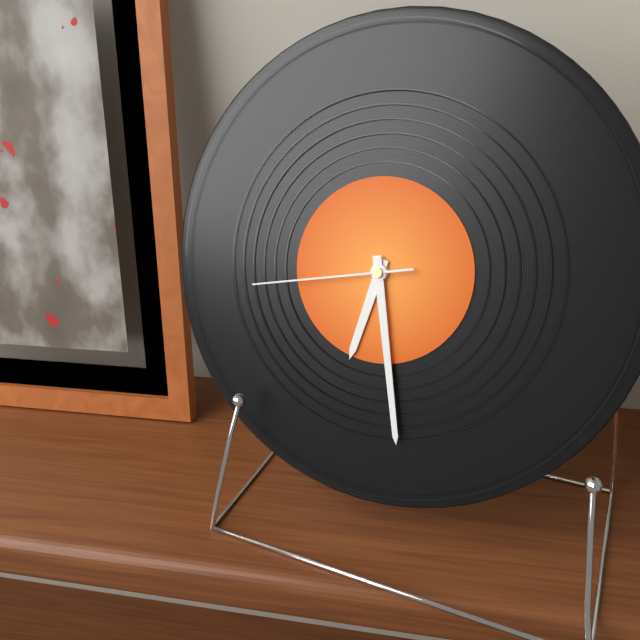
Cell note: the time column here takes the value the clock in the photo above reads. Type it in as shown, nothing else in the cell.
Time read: 6:28:43
